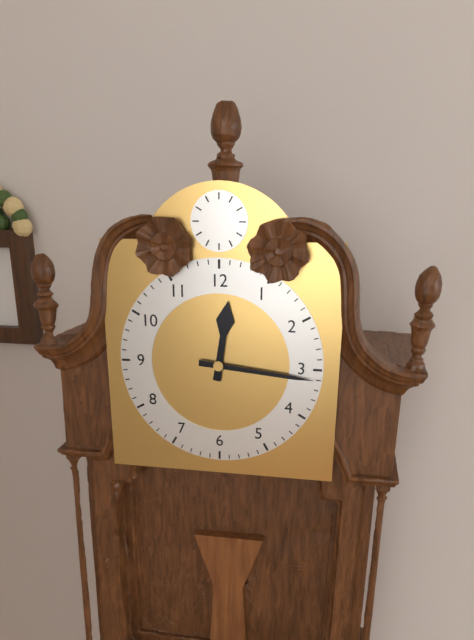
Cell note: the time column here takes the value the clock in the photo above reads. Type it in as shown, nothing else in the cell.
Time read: 12:16
